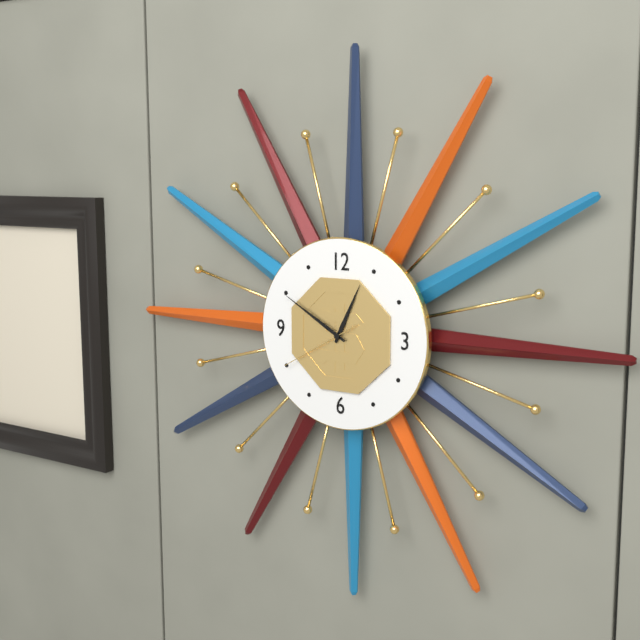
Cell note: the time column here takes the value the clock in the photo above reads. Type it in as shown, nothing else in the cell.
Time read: 12:50:40
